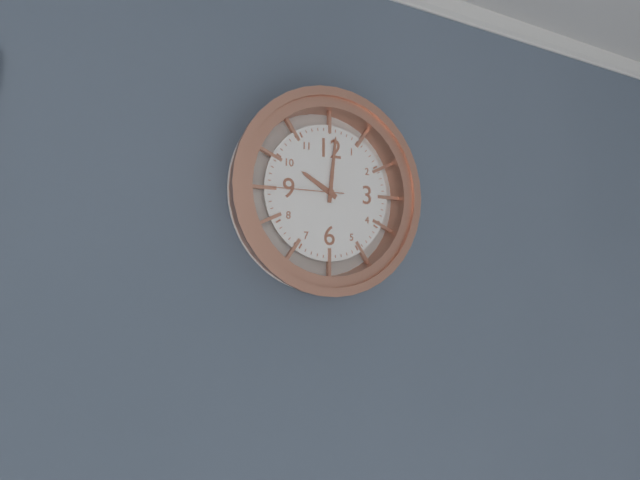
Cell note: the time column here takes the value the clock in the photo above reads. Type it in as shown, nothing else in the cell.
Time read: 10:01:45
